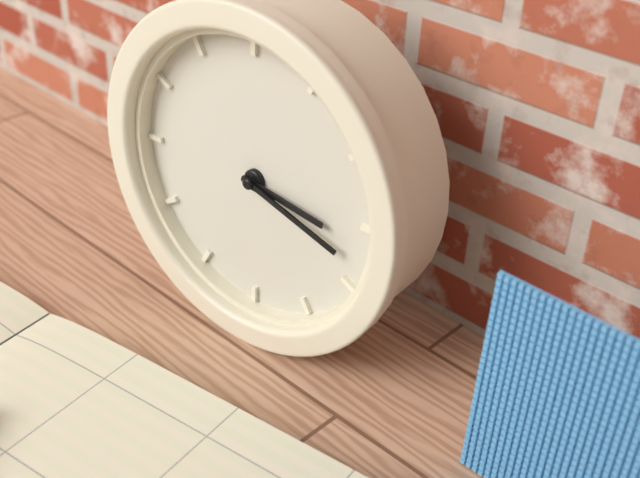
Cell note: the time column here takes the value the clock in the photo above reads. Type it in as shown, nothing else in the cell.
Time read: 3:18
